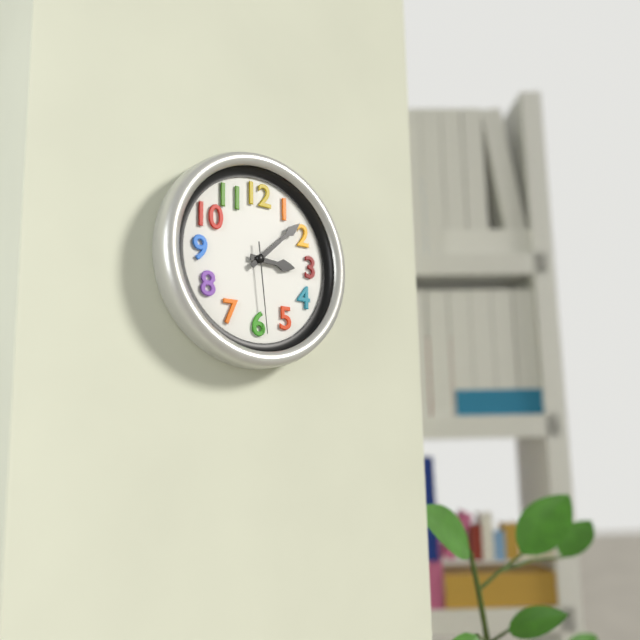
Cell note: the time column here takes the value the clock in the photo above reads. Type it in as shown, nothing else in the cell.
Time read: 3:08:29
